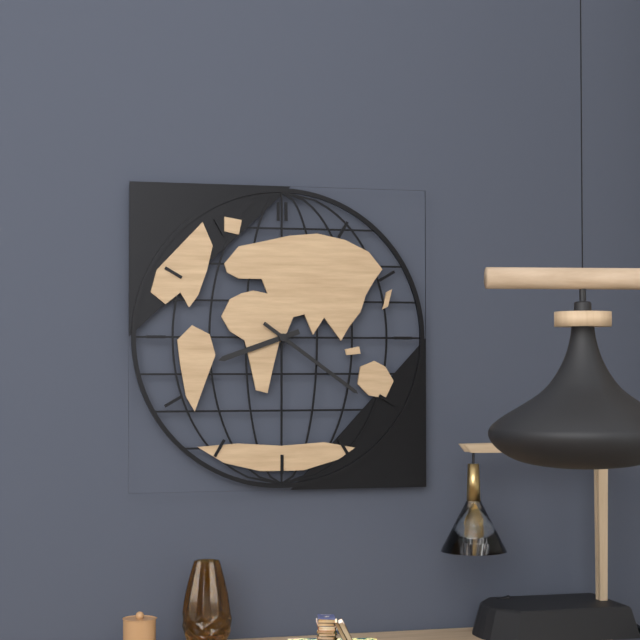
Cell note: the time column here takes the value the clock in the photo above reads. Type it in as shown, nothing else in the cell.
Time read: 8:21
